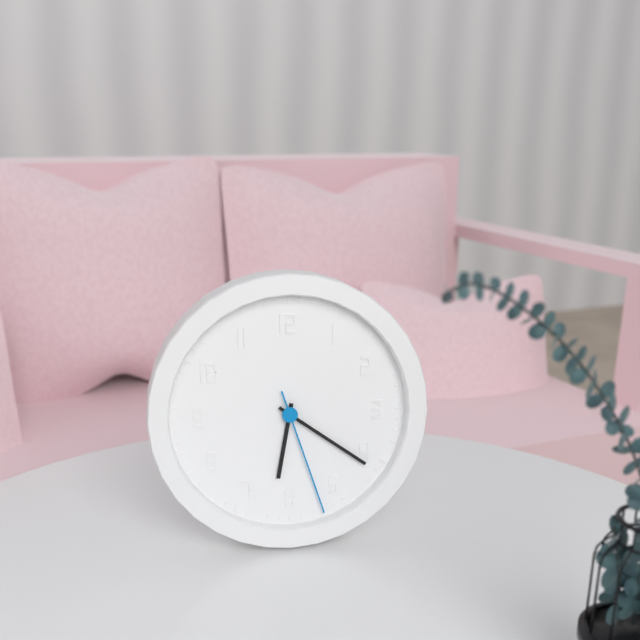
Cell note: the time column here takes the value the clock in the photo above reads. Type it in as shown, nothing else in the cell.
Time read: 6:21:27
